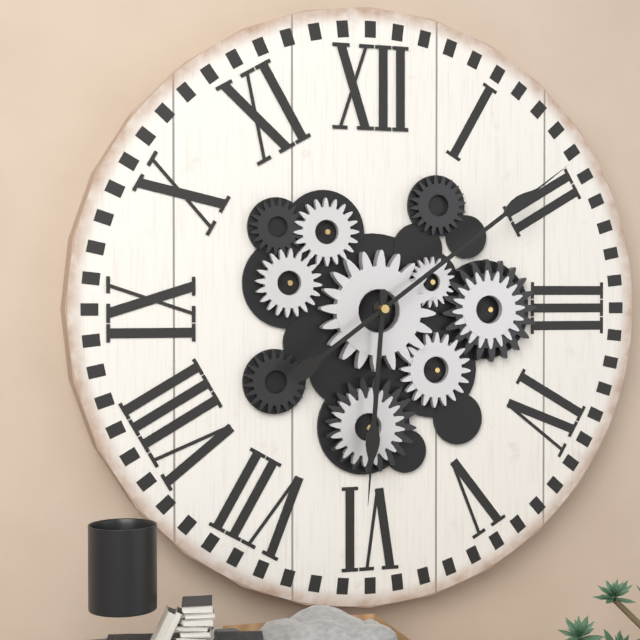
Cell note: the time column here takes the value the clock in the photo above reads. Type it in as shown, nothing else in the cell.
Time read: 6:09
